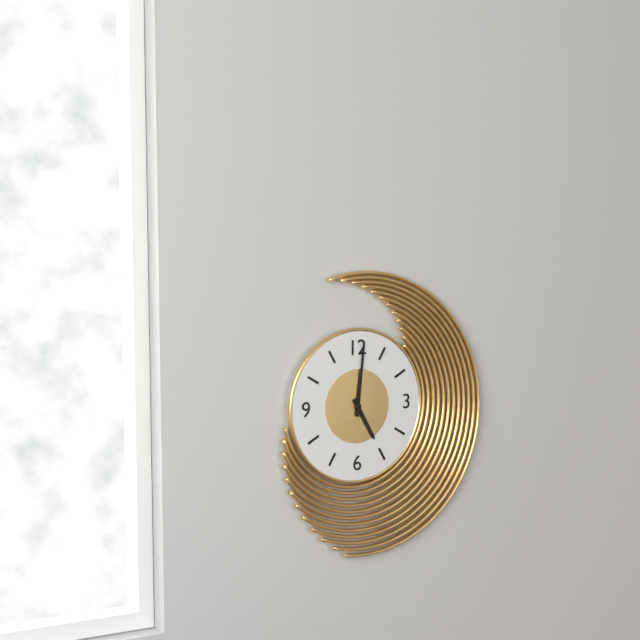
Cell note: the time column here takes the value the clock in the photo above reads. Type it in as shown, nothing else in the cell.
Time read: 5:01
